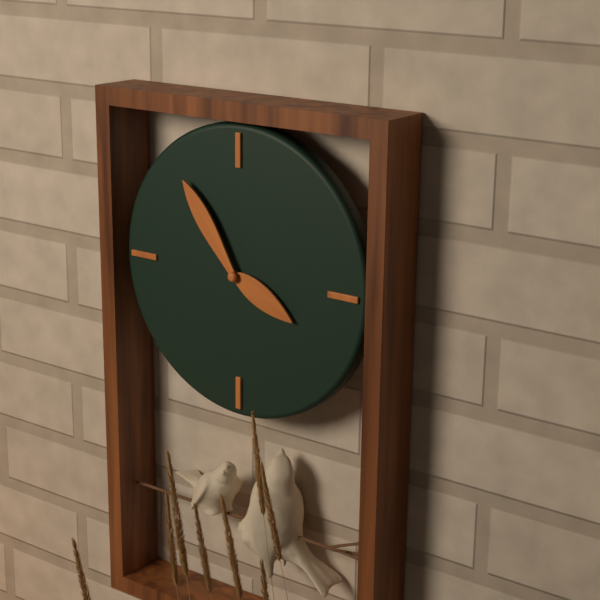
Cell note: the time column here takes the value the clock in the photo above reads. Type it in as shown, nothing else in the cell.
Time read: 3:54
